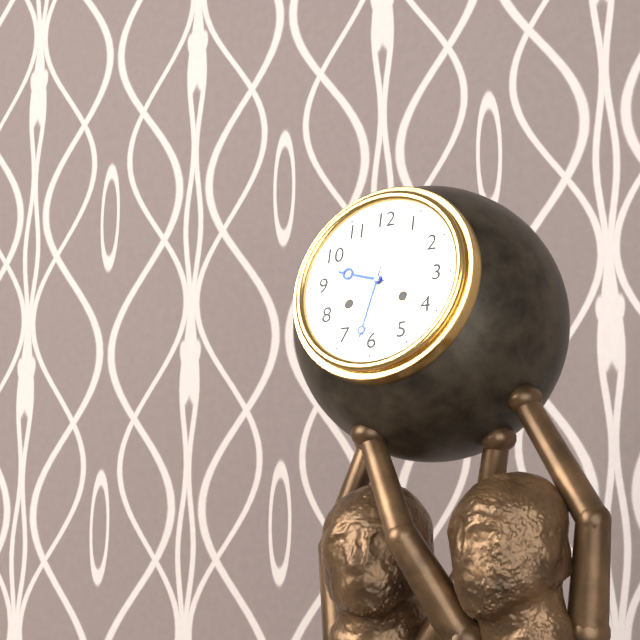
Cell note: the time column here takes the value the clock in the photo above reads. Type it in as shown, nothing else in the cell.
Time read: 9:32
